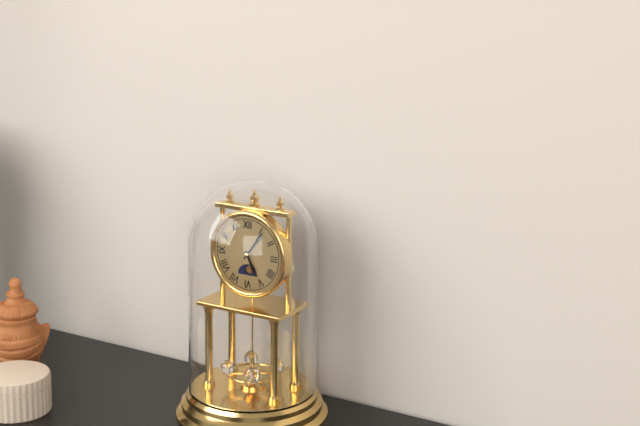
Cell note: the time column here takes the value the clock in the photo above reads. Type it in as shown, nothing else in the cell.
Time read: 5:06
